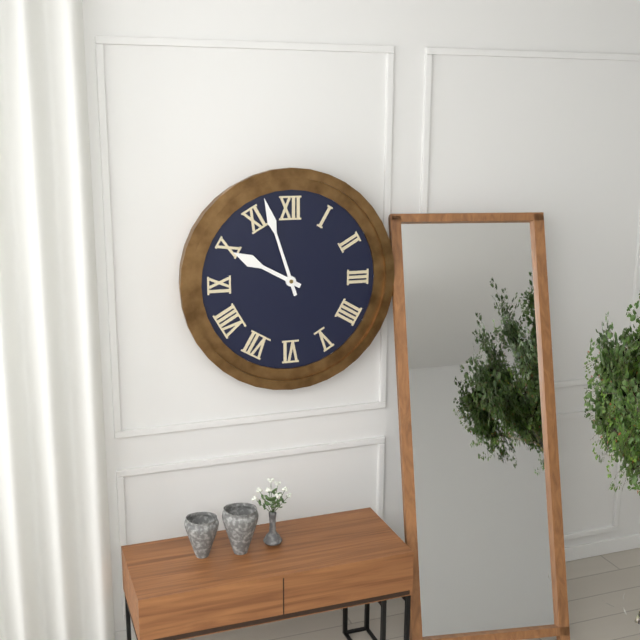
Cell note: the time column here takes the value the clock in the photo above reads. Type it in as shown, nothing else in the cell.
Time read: 9:57
